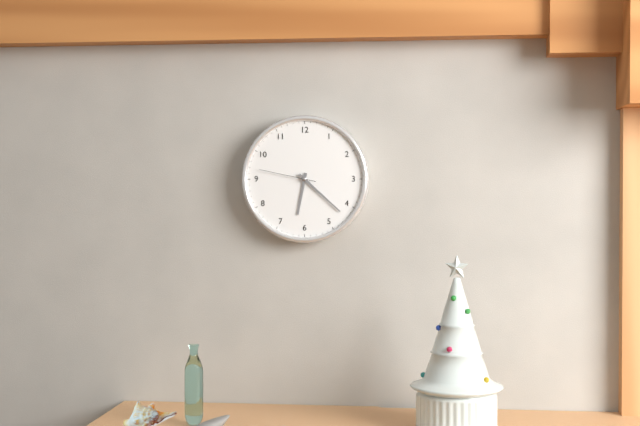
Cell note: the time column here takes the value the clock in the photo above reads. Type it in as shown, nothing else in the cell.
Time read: 6:22:47
